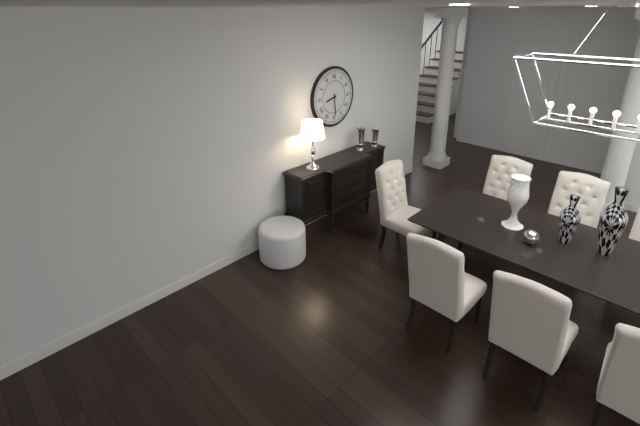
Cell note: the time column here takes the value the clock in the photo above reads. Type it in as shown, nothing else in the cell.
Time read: 8:29
